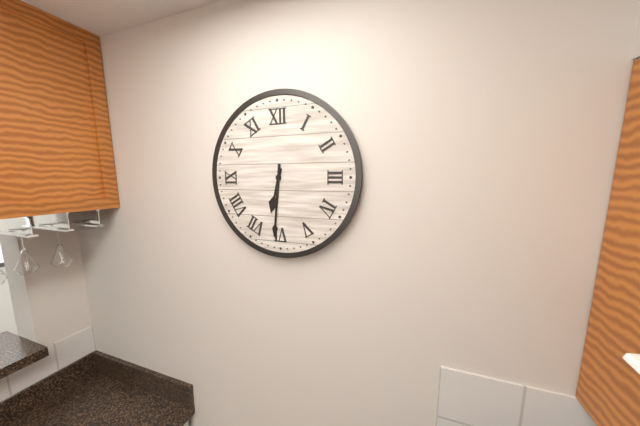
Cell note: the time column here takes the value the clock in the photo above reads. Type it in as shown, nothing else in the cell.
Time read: 6:31
